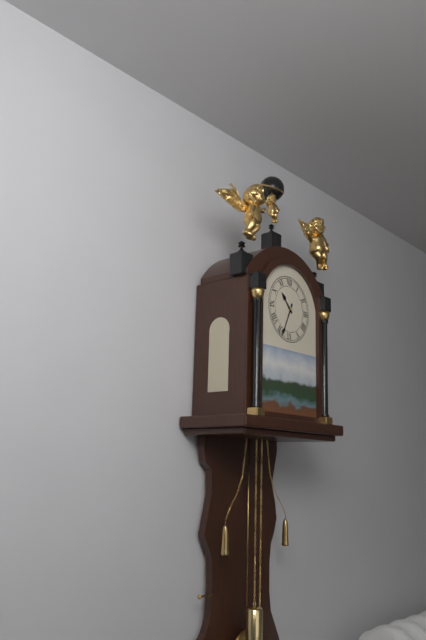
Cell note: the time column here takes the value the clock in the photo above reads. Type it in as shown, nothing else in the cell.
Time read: 10:34
